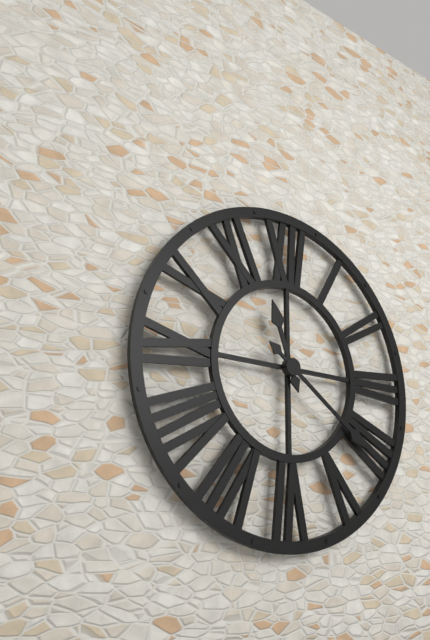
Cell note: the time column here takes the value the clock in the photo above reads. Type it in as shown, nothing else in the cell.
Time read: 11:21
